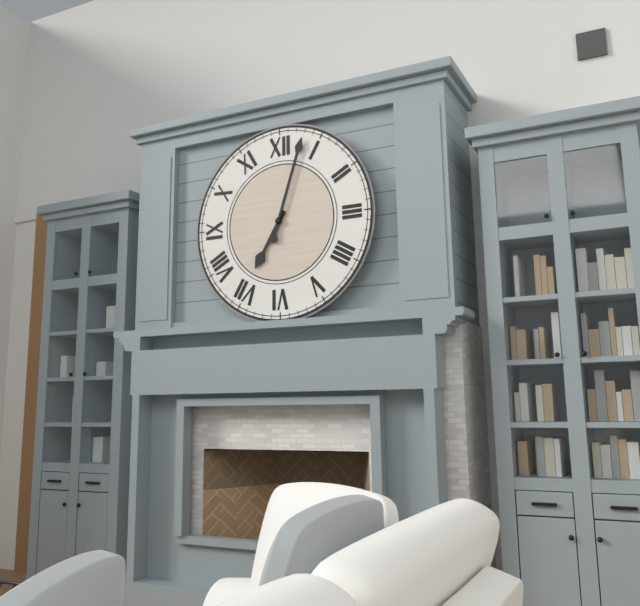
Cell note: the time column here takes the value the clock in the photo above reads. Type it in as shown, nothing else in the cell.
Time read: 7:03
